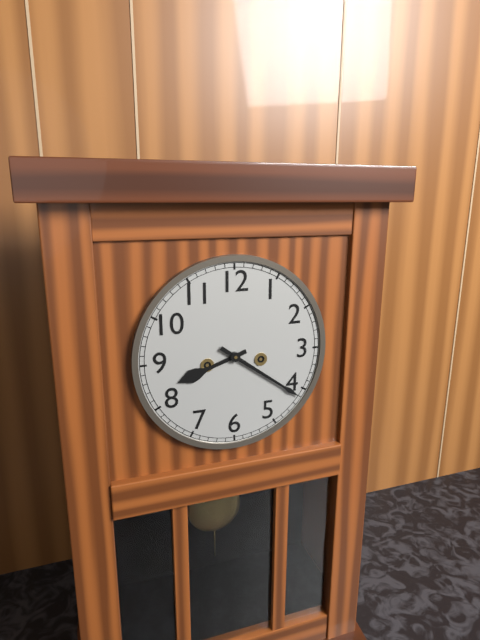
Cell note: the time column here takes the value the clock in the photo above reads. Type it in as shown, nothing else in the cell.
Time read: 8:21
